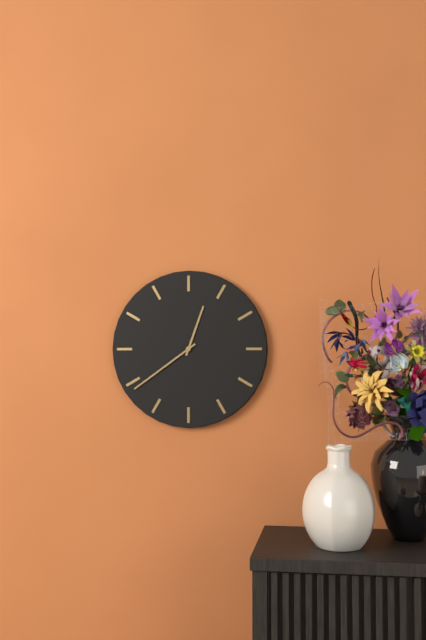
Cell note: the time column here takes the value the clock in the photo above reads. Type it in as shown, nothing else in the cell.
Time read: 12:39
